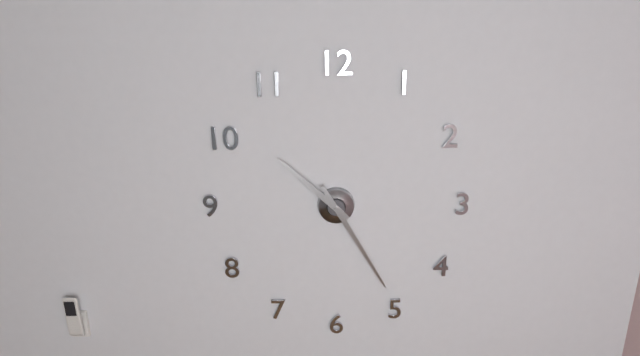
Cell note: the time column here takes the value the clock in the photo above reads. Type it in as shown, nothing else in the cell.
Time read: 10:25
